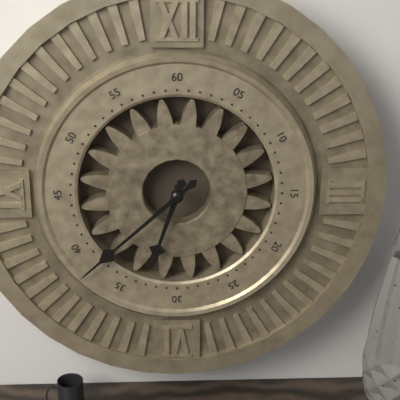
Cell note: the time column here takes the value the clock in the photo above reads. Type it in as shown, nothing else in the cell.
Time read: 6:38
